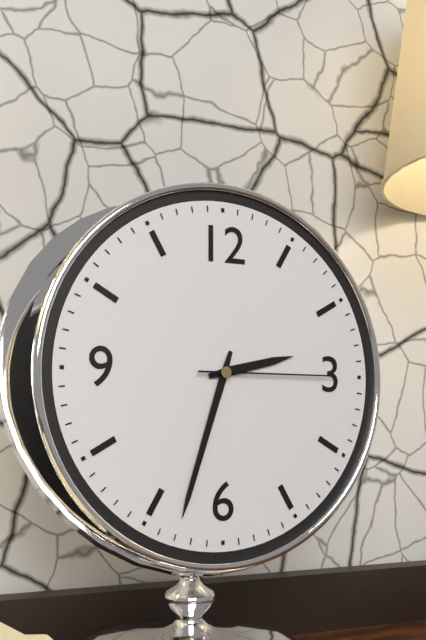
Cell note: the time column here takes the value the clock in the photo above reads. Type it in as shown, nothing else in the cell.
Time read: 2:33:15
